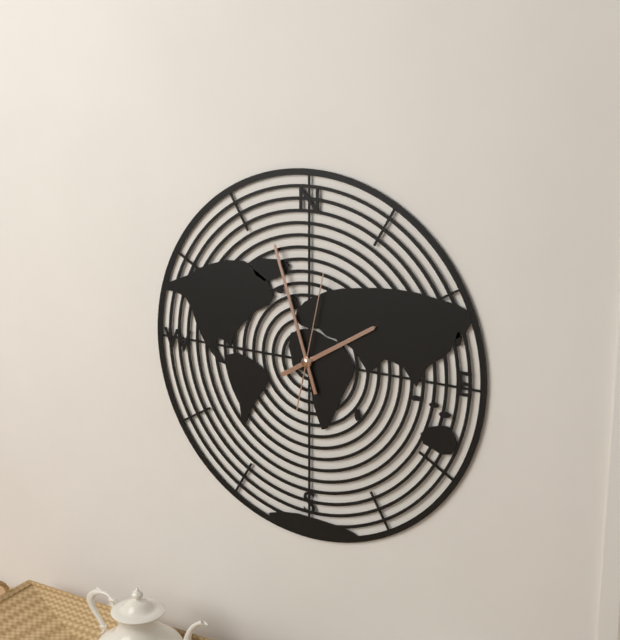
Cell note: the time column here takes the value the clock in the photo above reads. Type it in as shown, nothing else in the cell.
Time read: 1:57:02
